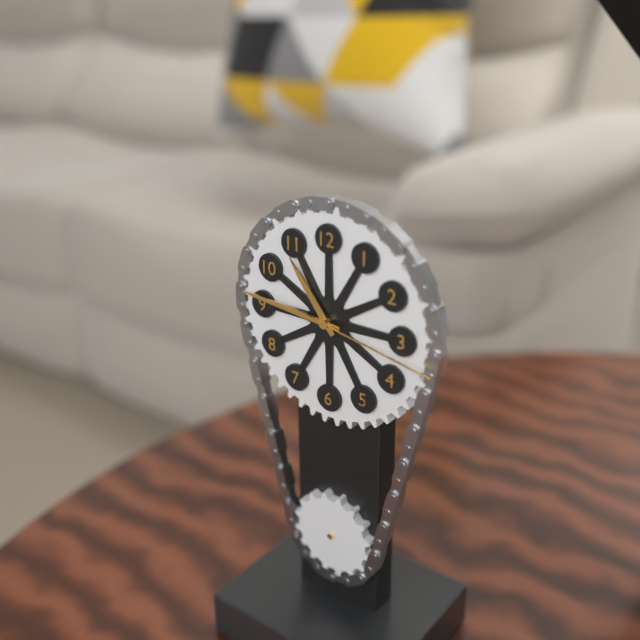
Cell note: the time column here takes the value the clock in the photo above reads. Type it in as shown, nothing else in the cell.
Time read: 10:46:17
